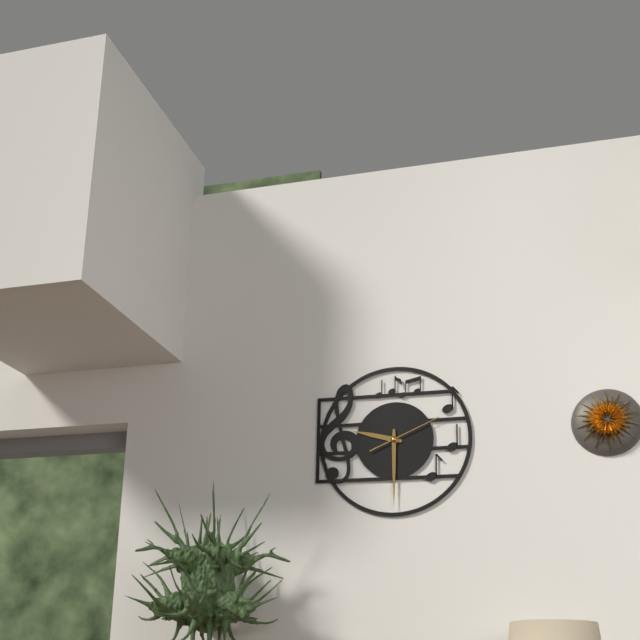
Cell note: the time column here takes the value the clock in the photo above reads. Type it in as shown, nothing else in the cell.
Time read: 9:30:11
